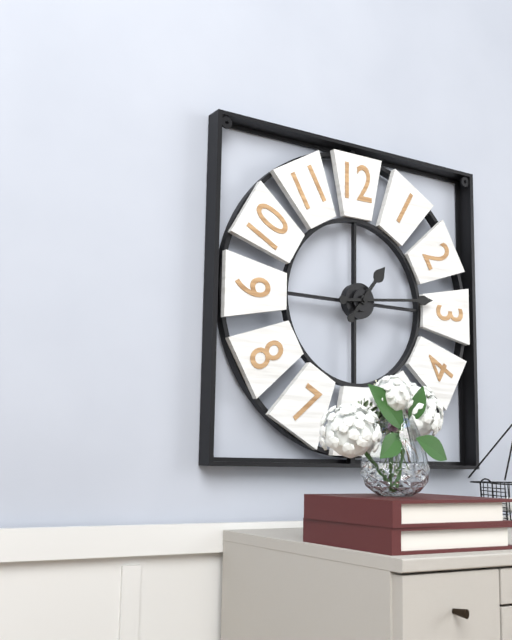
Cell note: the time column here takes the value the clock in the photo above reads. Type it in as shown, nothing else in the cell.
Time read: 1:14
